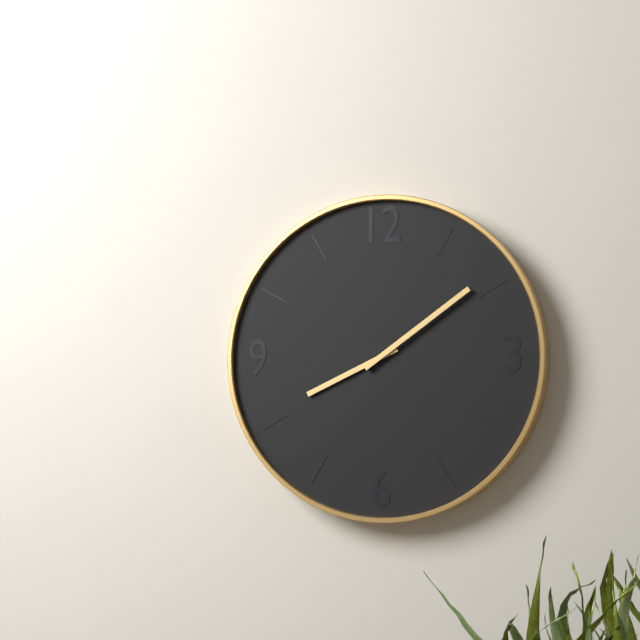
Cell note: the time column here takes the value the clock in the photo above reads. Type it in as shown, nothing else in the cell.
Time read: 8:09
